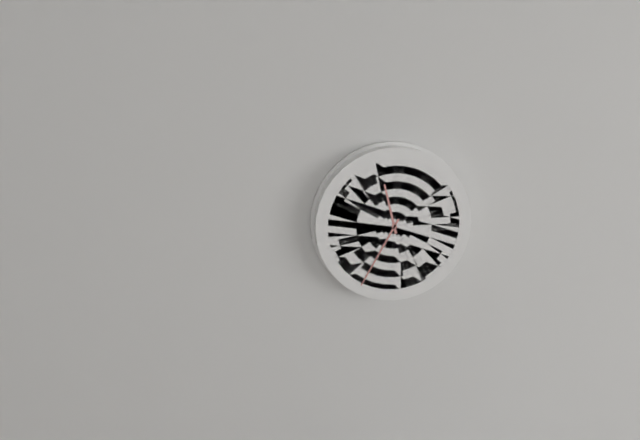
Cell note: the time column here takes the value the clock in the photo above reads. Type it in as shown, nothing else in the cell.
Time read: 11:35
